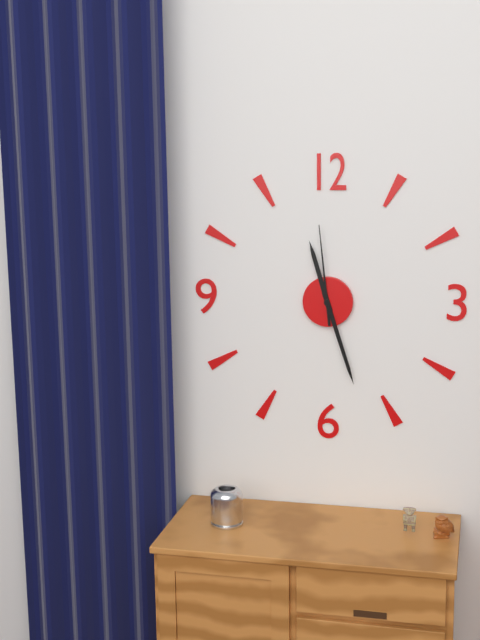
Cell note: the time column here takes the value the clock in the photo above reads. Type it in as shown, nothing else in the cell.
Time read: 11:27:59
